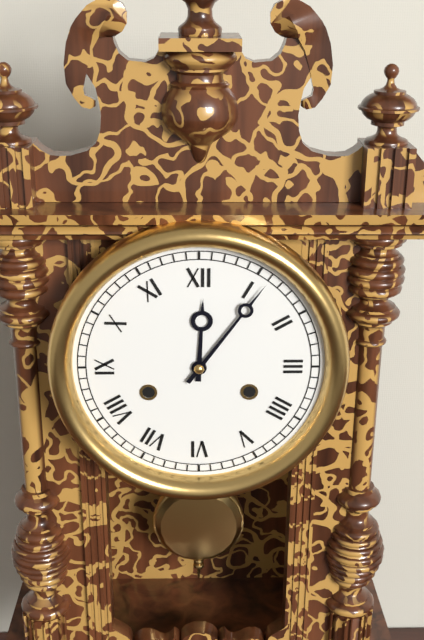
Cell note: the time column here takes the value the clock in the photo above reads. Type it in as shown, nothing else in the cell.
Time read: 12:06
